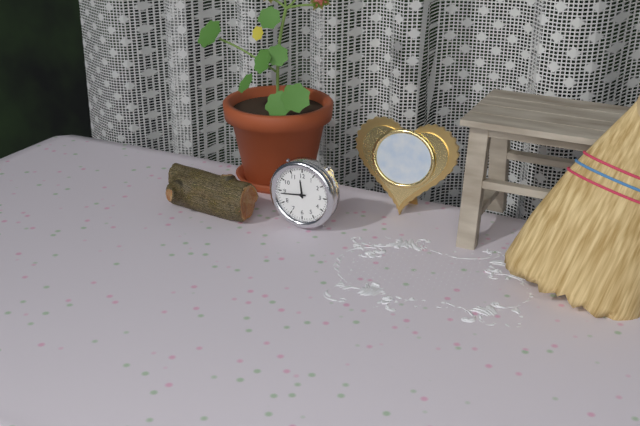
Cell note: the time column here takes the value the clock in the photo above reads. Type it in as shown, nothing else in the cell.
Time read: 11:44
